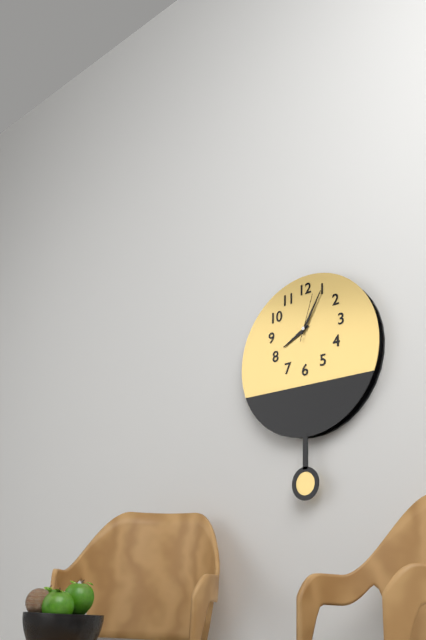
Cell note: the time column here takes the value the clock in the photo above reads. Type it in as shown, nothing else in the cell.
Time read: 8:05
